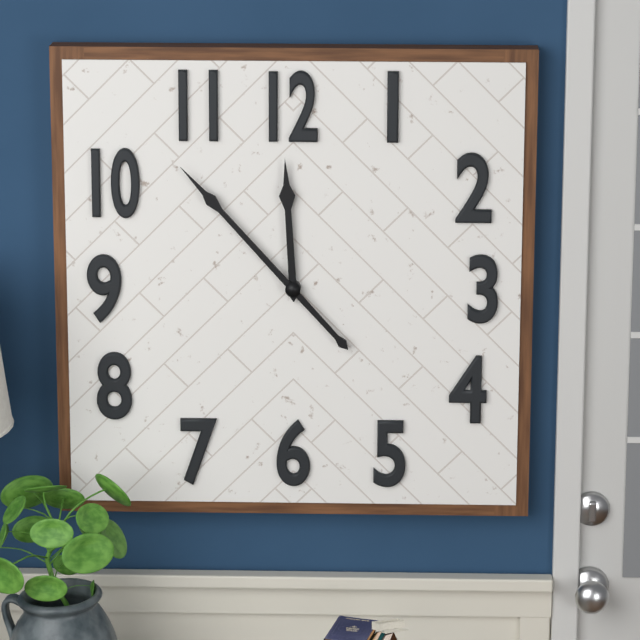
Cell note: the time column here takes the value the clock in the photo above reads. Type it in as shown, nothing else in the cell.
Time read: 11:53
